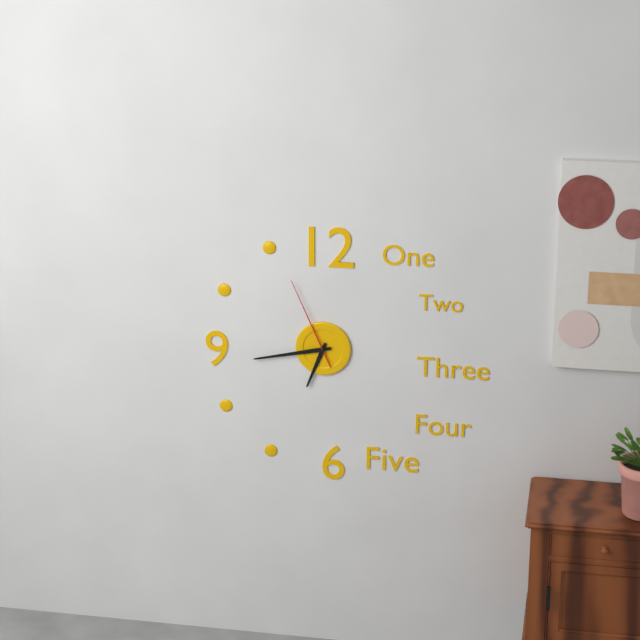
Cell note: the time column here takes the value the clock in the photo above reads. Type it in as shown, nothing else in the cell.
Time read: 6:43:56
